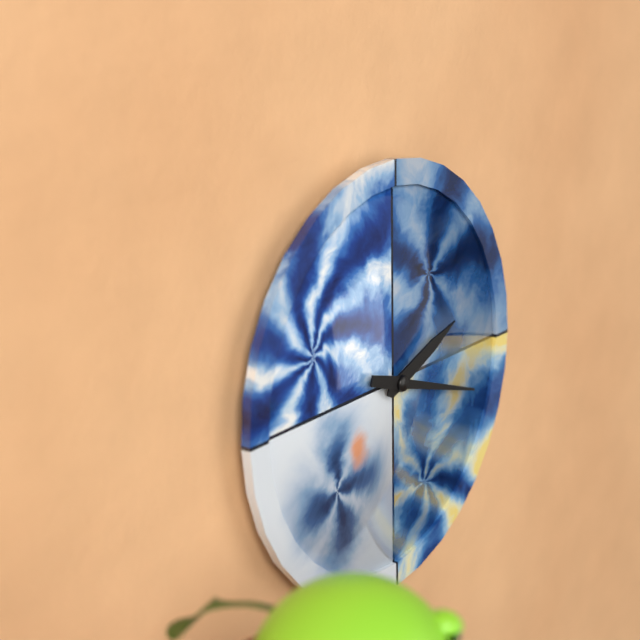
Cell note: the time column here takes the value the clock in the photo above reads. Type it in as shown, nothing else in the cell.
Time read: 2:18
